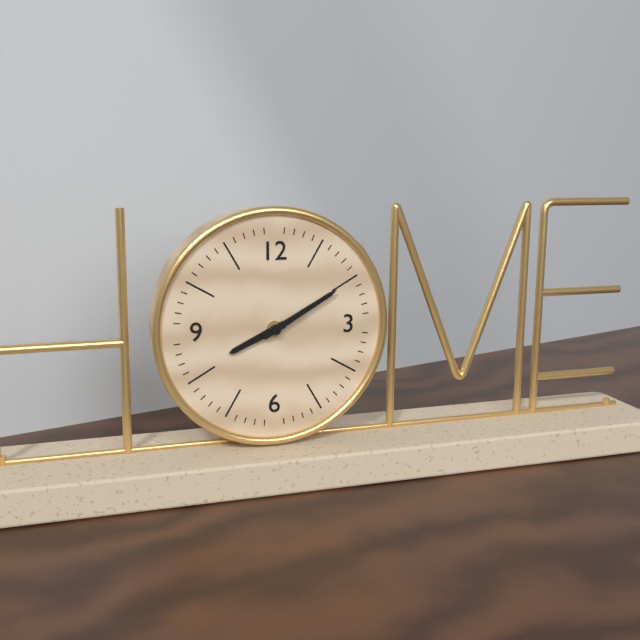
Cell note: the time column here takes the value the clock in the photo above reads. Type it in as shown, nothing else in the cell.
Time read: 8:10
